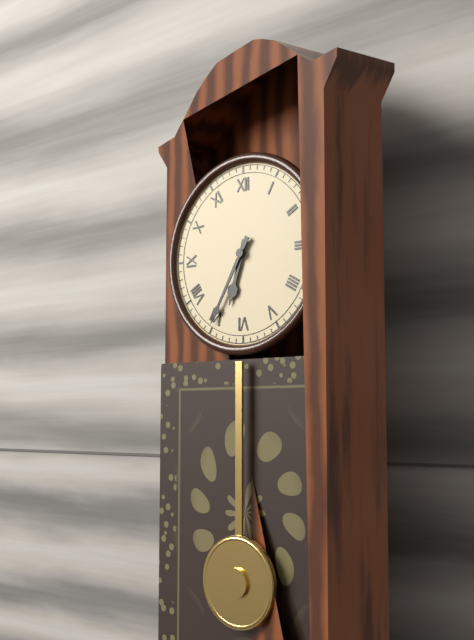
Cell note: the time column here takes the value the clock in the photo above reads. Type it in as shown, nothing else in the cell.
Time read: 6:35
